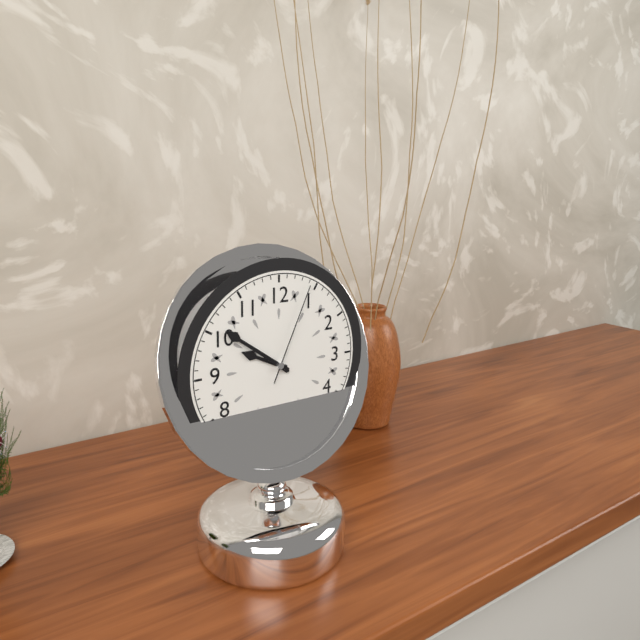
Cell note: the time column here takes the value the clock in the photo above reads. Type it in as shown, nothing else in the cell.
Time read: 9:51:04
